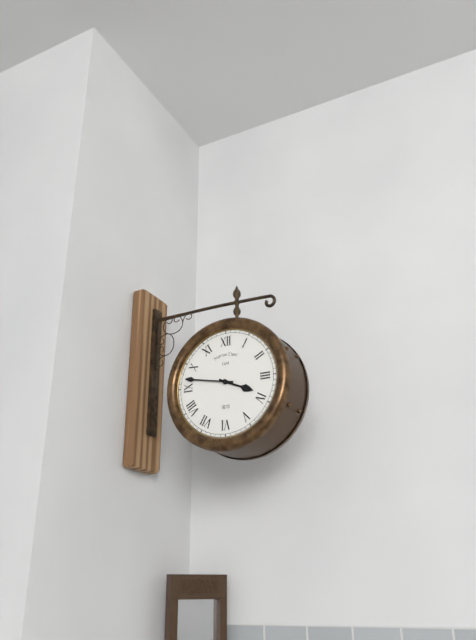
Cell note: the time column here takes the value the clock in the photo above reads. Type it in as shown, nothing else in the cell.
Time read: 3:47
